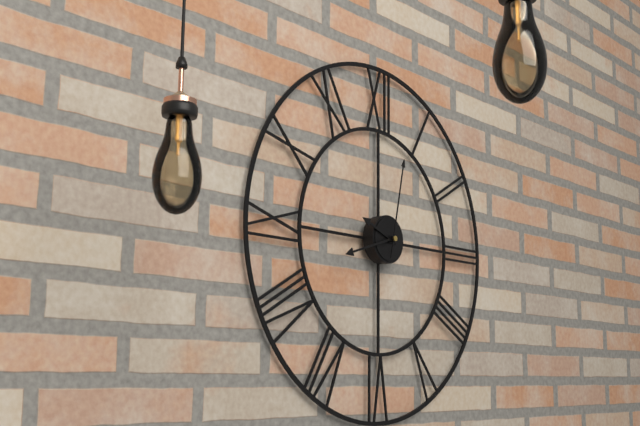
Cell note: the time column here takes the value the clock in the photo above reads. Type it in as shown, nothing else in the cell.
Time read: 9:42:02
